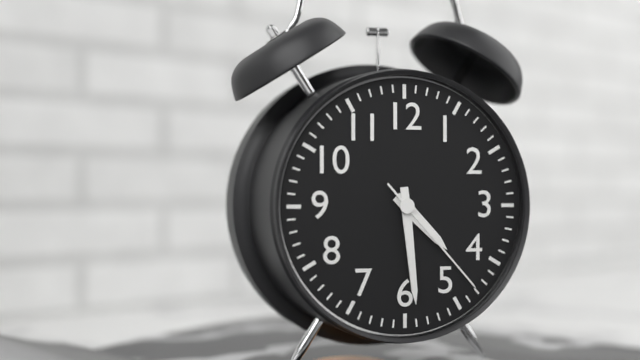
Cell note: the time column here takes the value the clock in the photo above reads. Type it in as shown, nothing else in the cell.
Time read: 4:29:23
